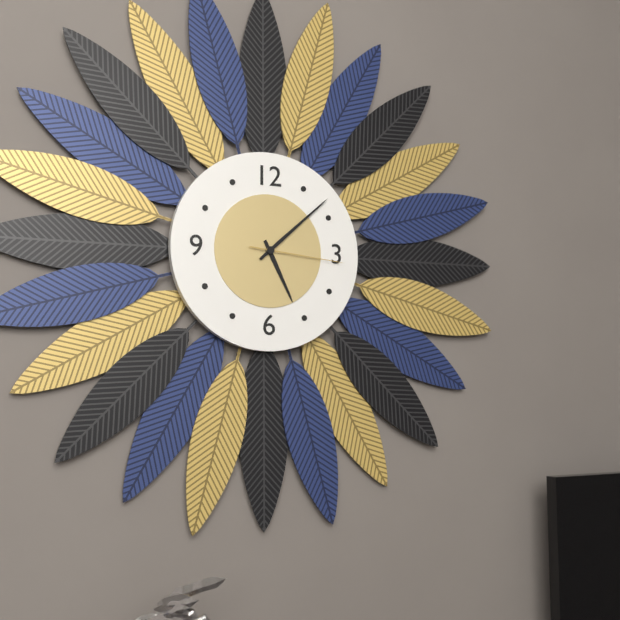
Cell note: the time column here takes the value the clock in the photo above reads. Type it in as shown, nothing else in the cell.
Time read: 5:08:16
